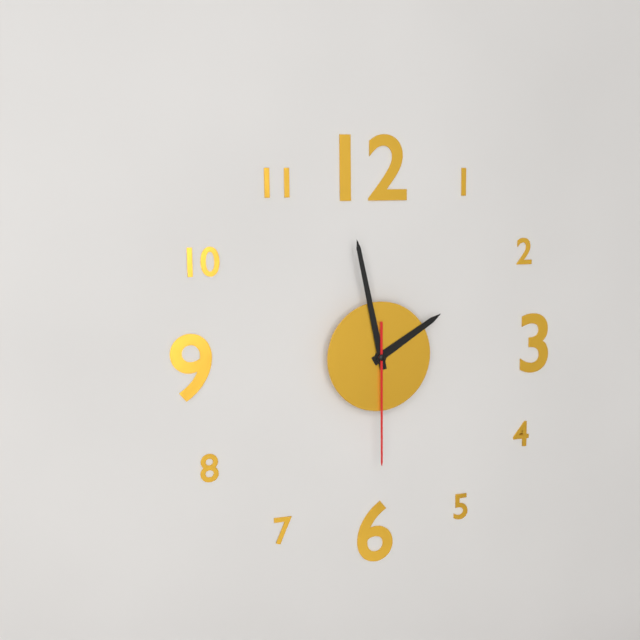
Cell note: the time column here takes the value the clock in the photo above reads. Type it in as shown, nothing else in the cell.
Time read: 1:58:30
